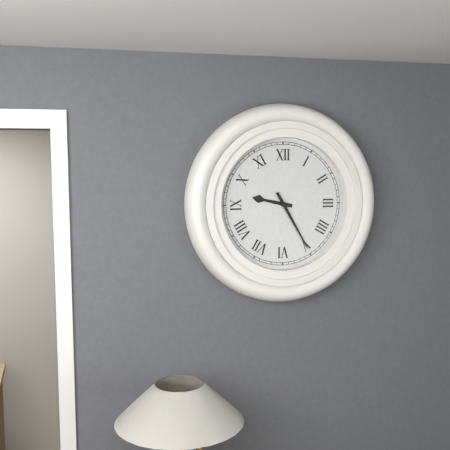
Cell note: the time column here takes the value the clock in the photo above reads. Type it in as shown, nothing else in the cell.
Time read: 9:25
